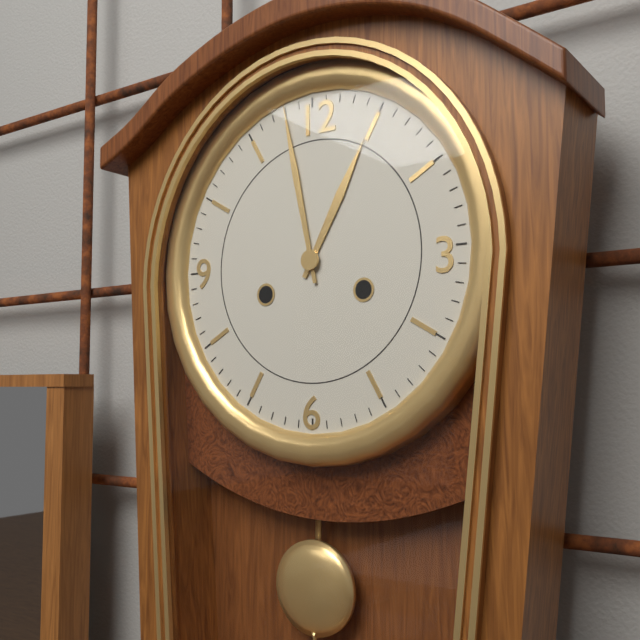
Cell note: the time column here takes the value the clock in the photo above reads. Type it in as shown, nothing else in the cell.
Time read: 12:58
